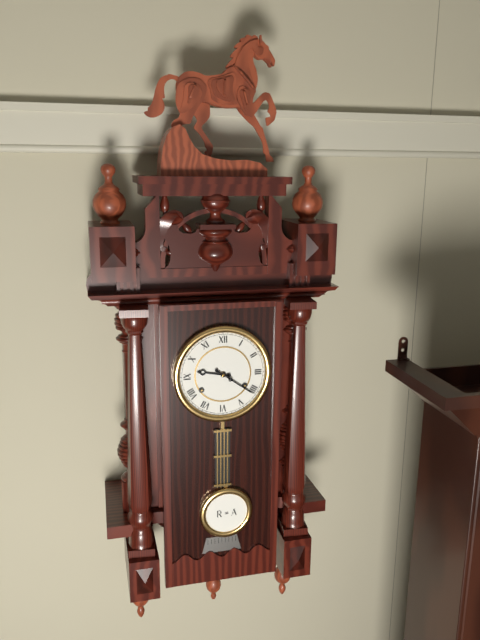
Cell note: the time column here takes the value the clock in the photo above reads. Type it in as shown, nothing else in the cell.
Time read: 9:21
